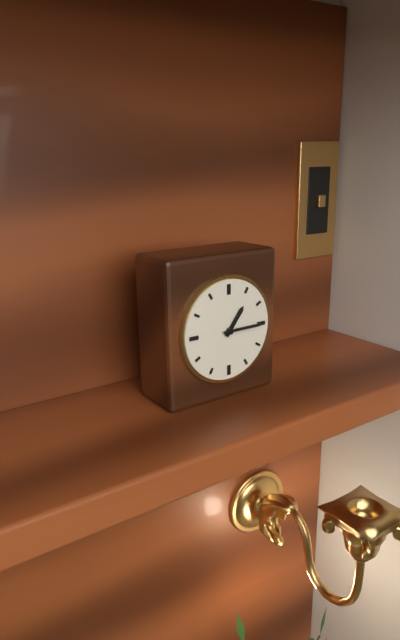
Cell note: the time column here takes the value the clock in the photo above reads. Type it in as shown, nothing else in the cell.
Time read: 1:15
